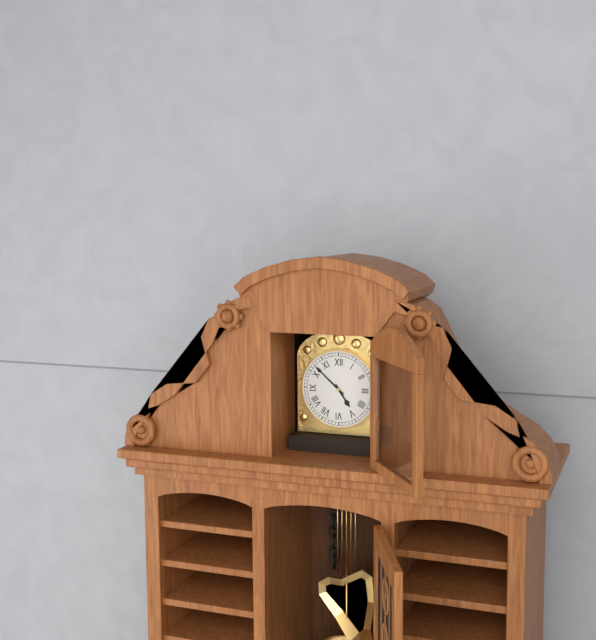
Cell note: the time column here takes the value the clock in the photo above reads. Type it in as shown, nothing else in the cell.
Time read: 4:52
